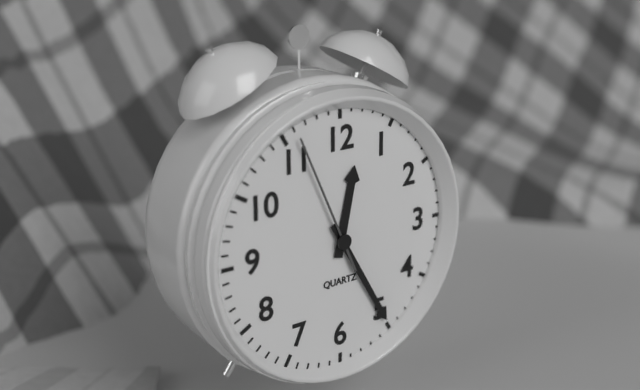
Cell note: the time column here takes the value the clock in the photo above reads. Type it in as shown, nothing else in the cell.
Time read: 12:25:56
